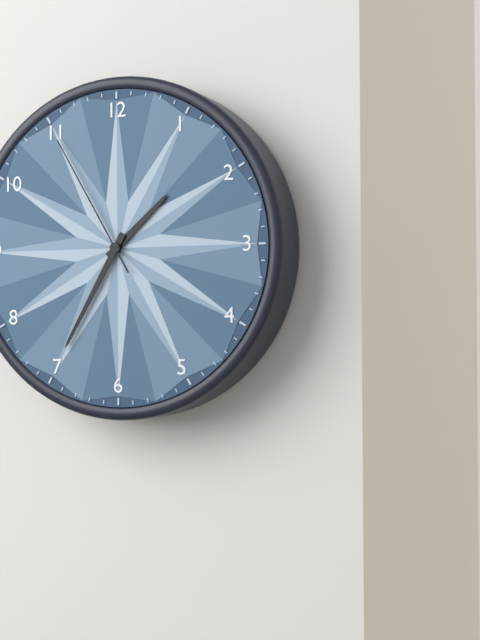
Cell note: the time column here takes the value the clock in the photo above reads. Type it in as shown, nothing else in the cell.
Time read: 1:35:55
